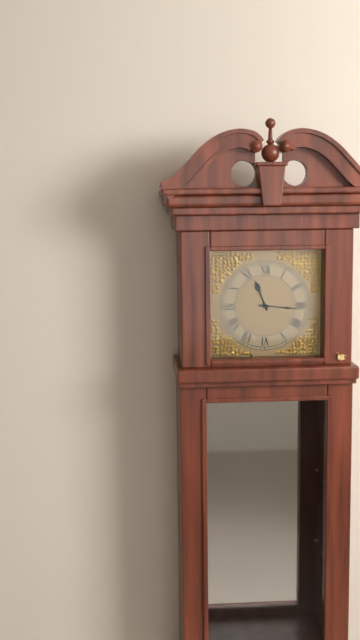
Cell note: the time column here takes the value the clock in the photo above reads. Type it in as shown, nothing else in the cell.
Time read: 11:16
